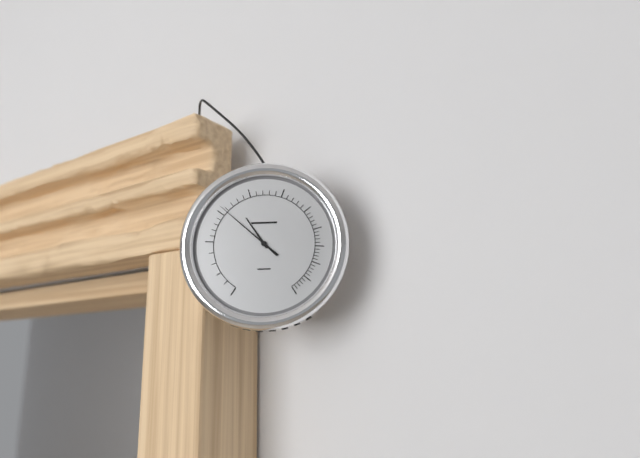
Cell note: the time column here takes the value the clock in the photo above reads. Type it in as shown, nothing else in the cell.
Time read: 10:52
